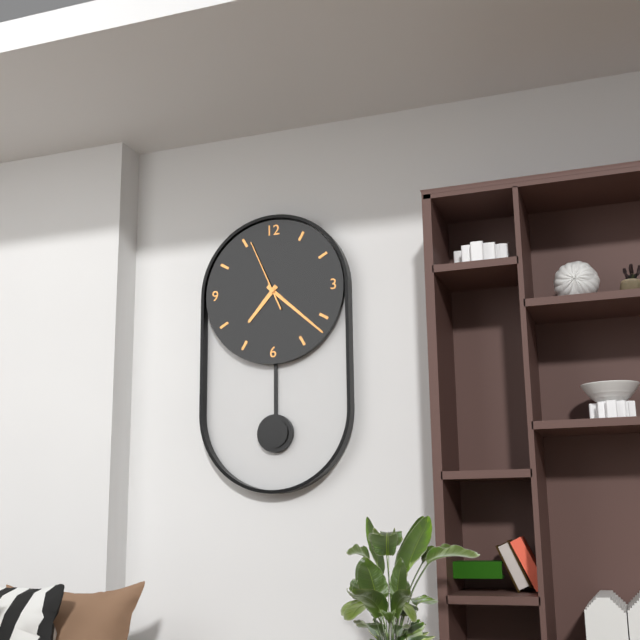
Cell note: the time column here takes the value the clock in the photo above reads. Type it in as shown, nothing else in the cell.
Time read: 7:22:56
